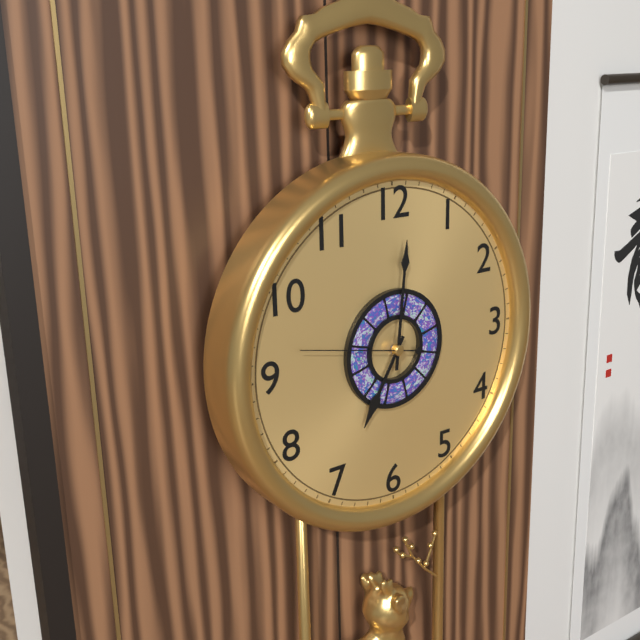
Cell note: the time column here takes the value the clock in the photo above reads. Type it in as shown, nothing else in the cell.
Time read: 7:01:47
